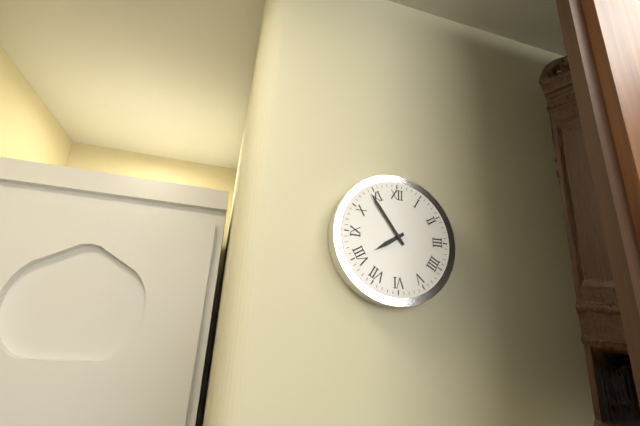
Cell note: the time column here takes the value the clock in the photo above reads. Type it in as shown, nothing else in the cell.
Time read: 7:54
